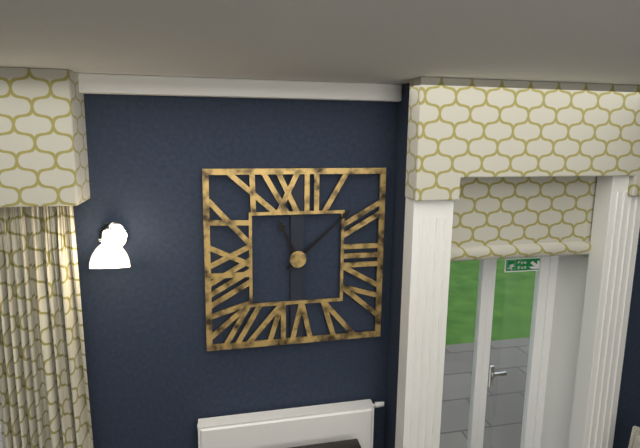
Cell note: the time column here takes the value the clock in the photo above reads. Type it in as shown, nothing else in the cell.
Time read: 11:08
